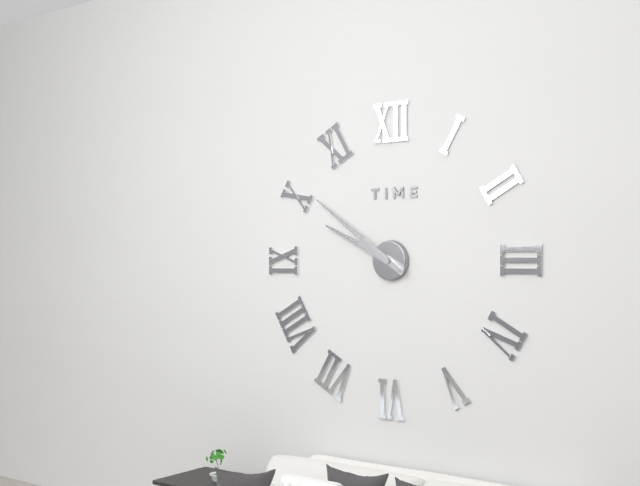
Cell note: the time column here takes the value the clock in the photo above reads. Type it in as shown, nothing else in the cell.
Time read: 9:51
